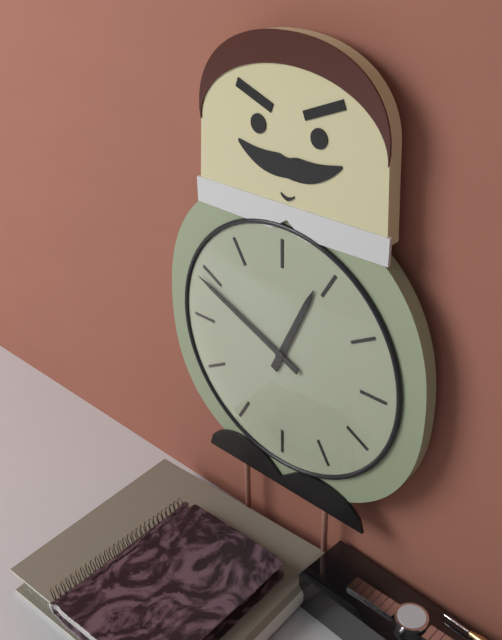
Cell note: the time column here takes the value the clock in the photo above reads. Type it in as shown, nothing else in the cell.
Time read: 12:49
